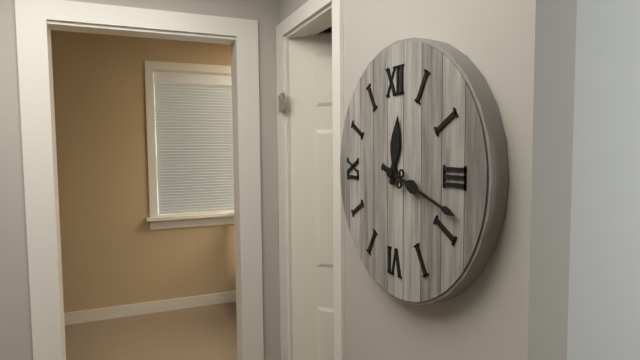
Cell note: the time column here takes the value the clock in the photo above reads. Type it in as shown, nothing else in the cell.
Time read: 12:18
